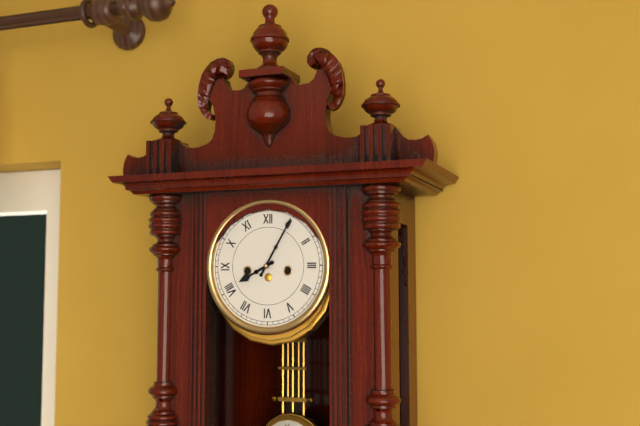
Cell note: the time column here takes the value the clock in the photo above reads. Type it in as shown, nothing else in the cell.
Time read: 8:05
